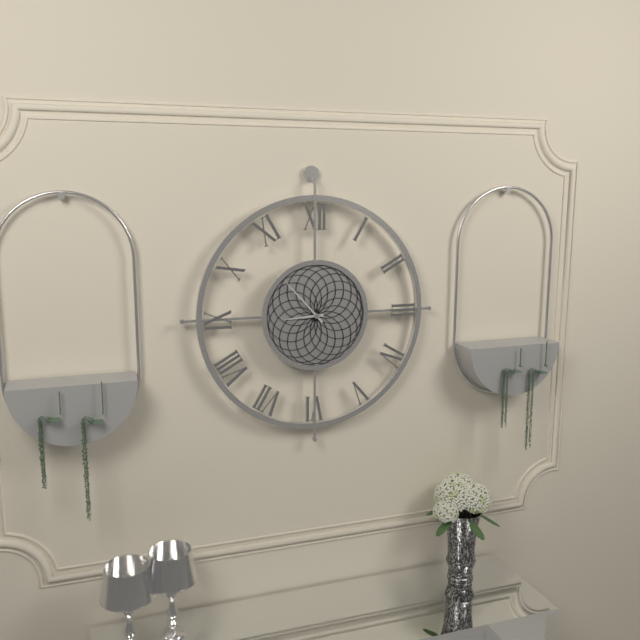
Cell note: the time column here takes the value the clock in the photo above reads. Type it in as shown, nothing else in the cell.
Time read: 8:53
